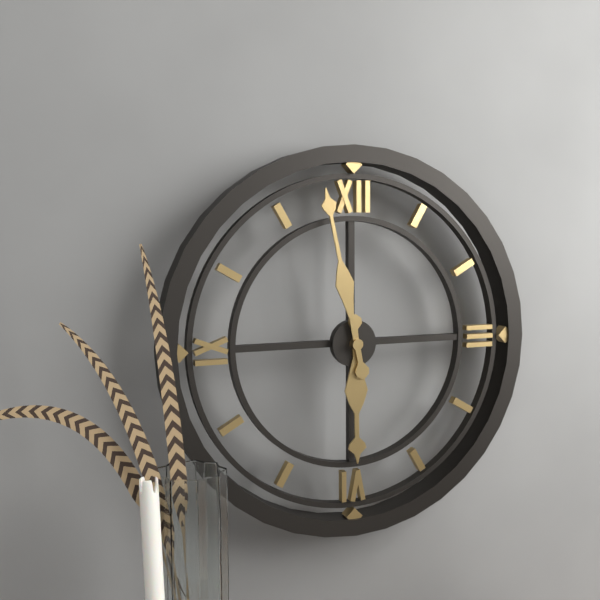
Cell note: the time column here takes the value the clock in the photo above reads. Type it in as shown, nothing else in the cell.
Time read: 5:58
